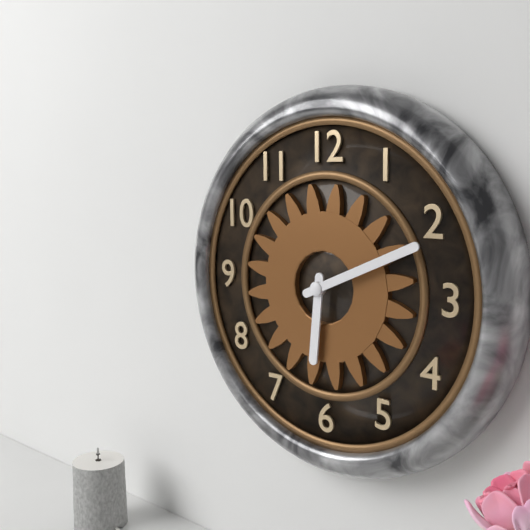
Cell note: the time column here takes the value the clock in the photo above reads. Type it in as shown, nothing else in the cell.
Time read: 6:11
